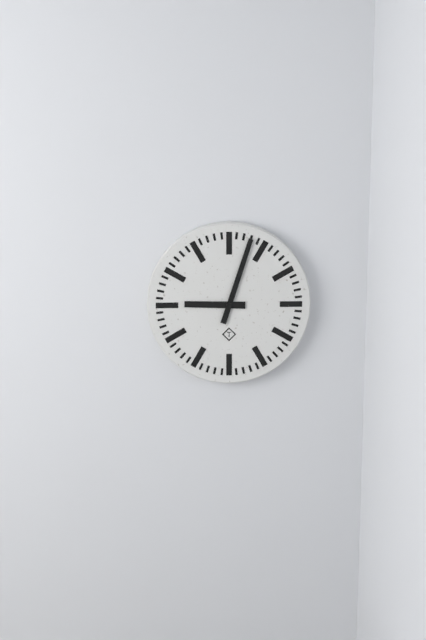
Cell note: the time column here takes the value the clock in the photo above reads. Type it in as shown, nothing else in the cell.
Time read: 9:03
